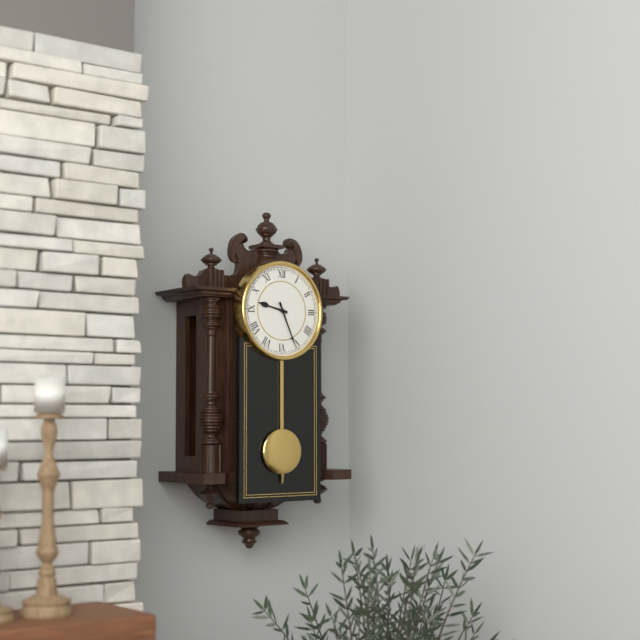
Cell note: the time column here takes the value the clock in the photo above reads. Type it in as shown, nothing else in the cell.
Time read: 9:26
